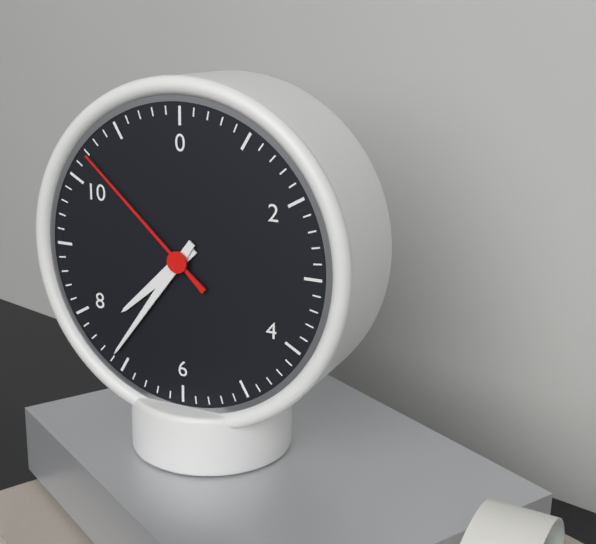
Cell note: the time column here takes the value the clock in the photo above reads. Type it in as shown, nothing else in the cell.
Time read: 7:36:52
